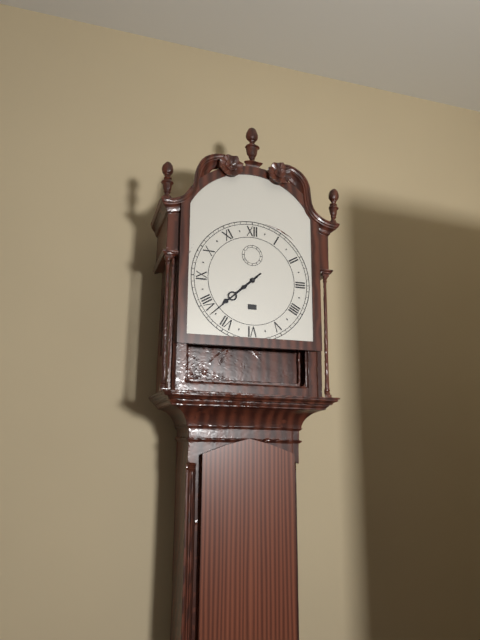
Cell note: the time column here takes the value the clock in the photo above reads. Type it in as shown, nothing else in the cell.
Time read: 7:38
